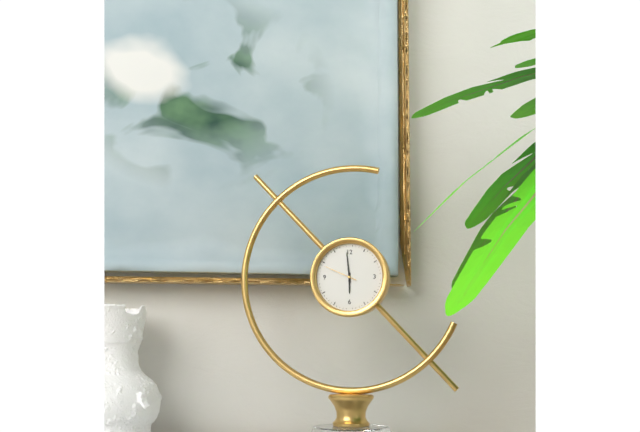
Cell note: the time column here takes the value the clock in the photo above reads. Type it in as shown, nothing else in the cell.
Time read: 5:59
